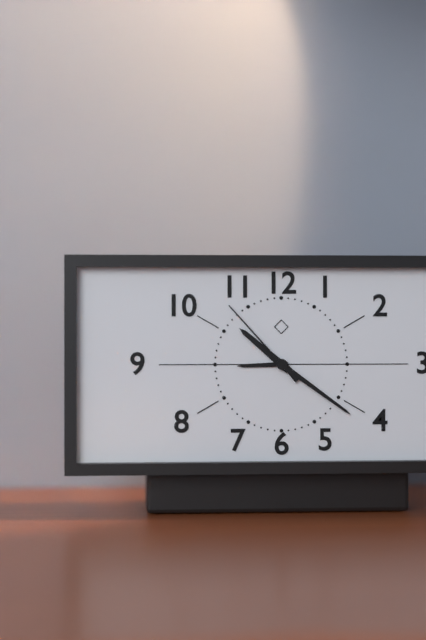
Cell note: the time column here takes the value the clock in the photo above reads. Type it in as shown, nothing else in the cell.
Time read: 10:21:53
